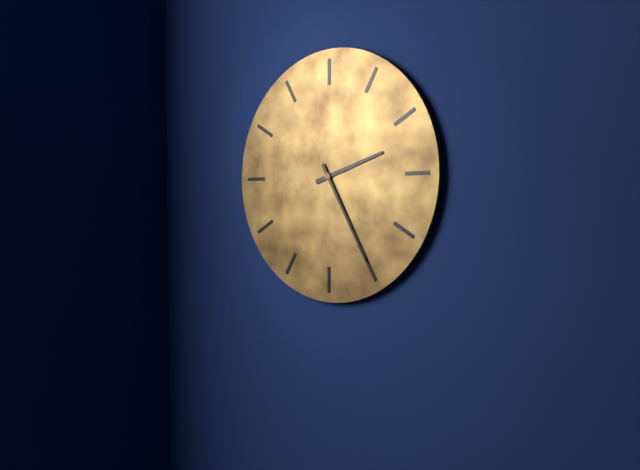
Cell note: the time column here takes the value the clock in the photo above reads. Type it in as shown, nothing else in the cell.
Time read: 2:25
